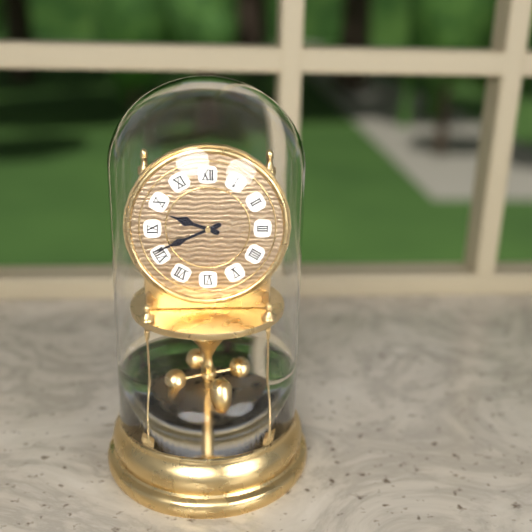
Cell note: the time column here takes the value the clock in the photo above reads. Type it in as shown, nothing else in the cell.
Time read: 9:41
